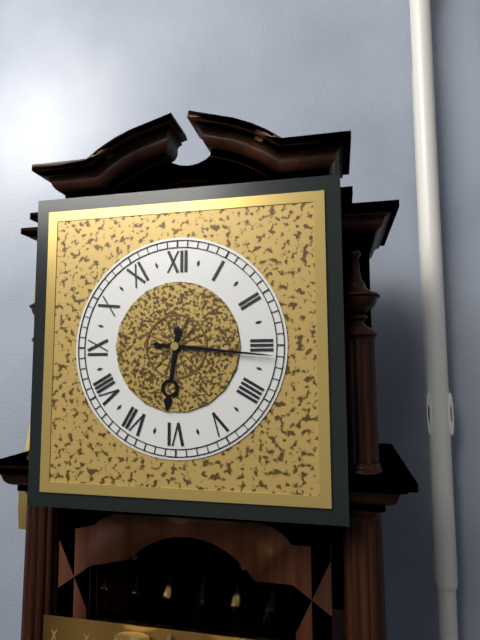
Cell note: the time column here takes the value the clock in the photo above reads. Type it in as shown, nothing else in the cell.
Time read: 6:16
